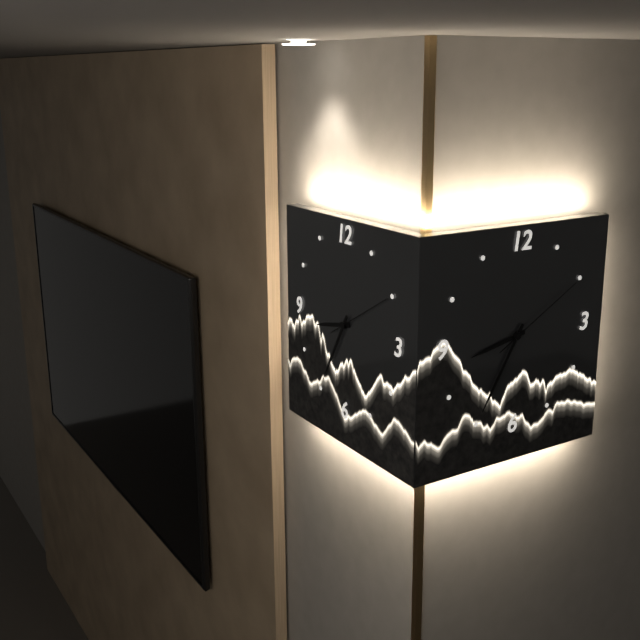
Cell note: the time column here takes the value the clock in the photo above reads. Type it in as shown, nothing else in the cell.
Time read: 8:35:10
